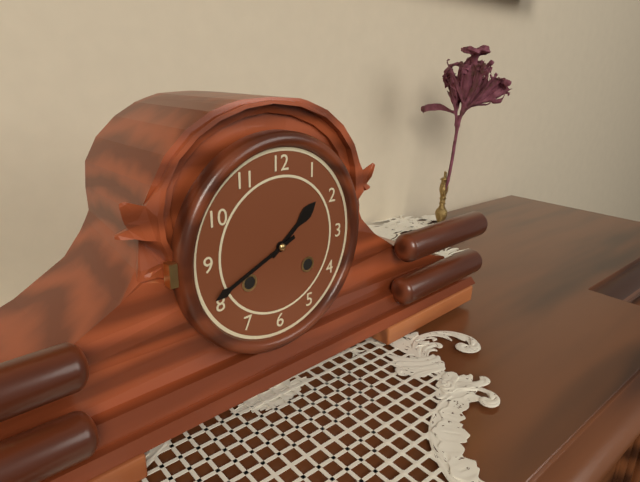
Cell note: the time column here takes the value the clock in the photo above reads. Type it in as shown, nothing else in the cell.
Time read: 1:41
